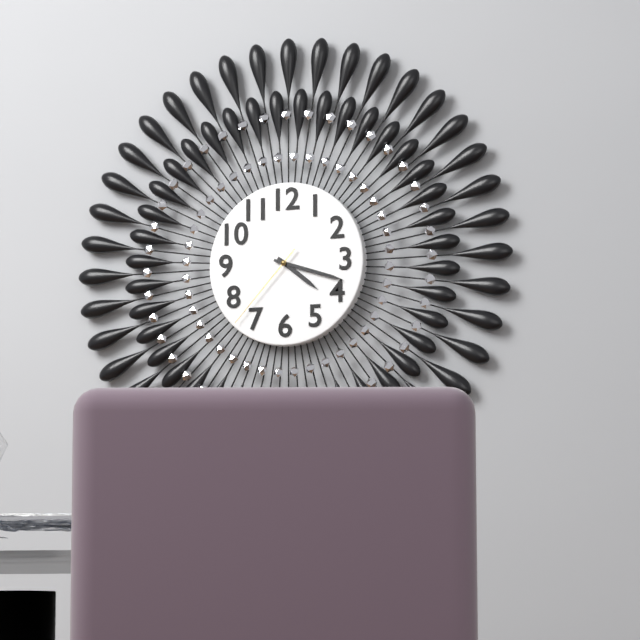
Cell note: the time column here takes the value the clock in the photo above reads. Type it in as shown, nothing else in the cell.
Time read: 4:18:37
